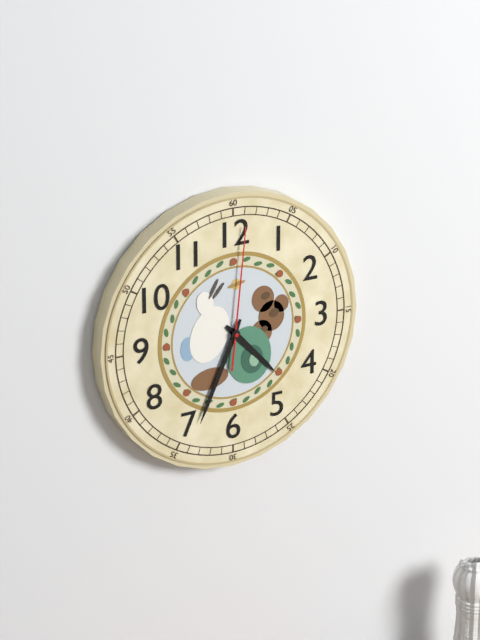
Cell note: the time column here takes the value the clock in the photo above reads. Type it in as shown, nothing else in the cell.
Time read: 4:34:01
